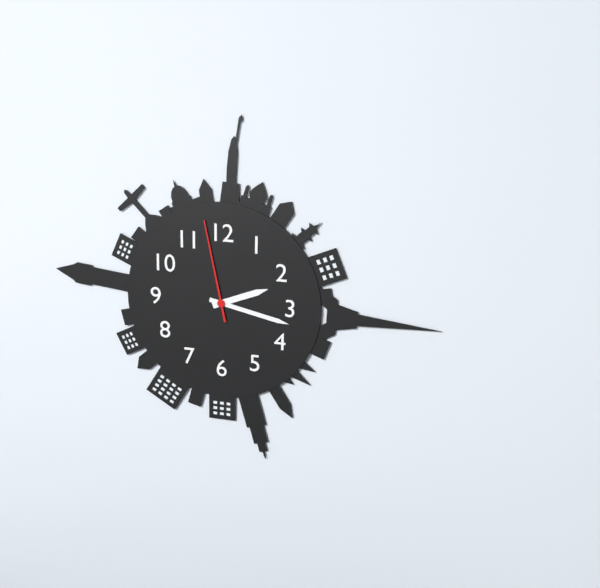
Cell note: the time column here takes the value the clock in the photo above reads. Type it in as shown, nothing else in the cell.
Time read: 2:17:58
